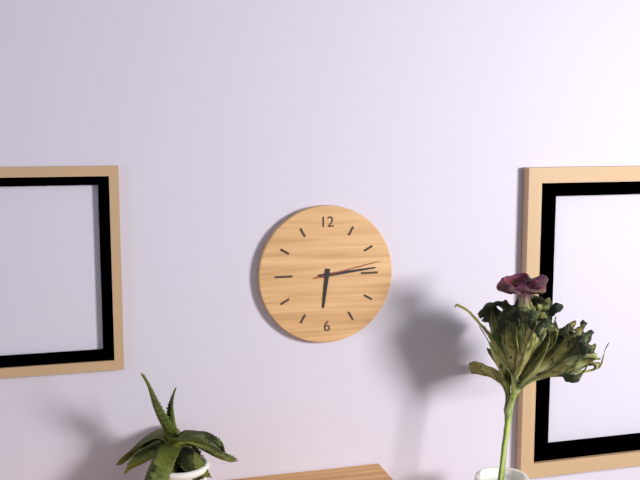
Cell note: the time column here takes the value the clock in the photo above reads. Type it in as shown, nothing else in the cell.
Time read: 6:14:13
